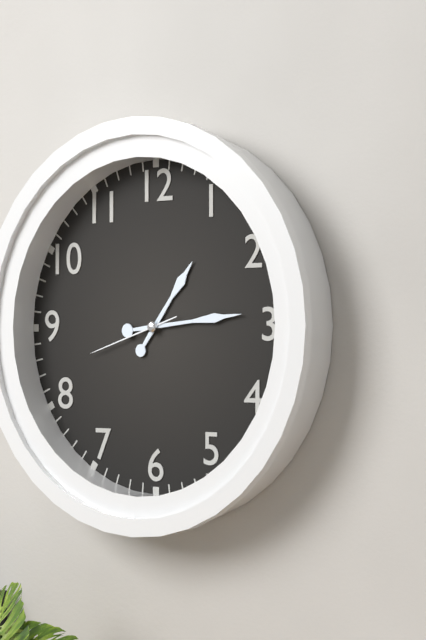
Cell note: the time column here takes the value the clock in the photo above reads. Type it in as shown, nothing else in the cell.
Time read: 1:14:42
